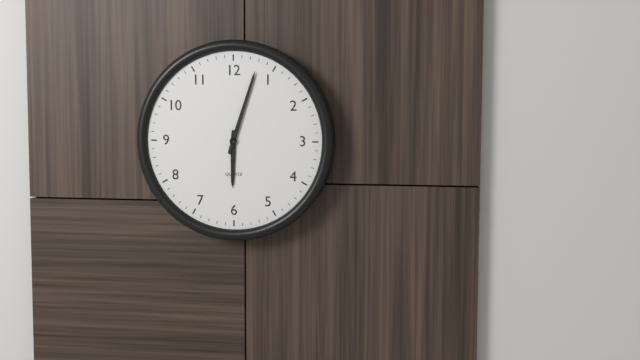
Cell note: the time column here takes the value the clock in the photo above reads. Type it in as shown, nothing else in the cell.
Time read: 6:03
